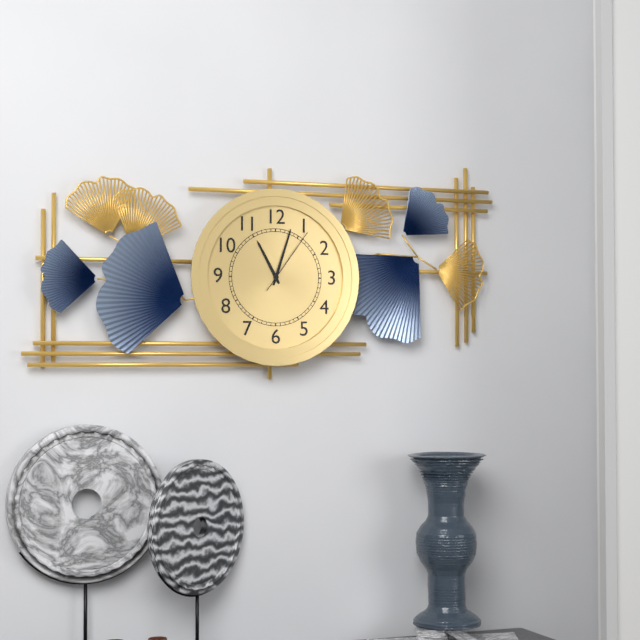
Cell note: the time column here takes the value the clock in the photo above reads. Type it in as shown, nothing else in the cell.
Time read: 11:03:06
